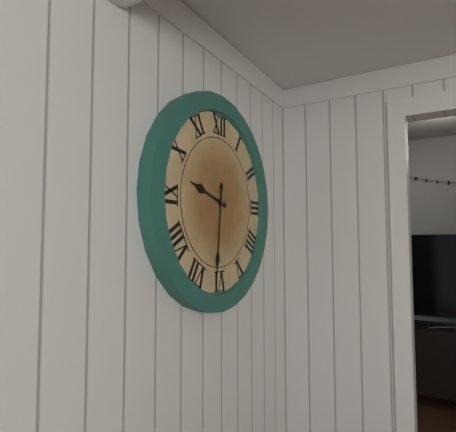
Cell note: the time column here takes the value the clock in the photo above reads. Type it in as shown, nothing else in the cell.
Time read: 9:31
